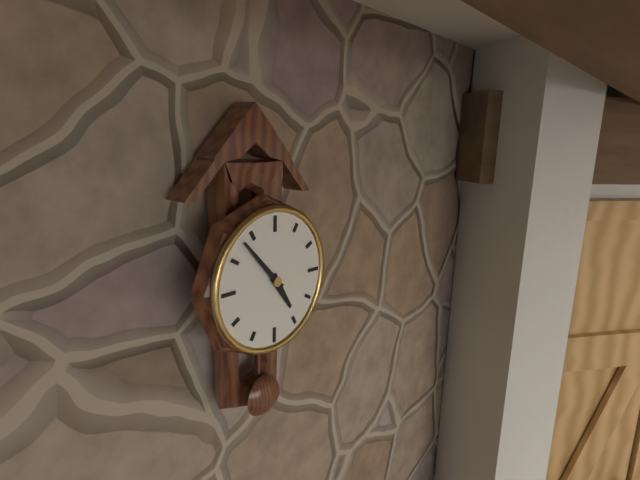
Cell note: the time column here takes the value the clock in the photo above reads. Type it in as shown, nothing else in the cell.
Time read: 4:53
